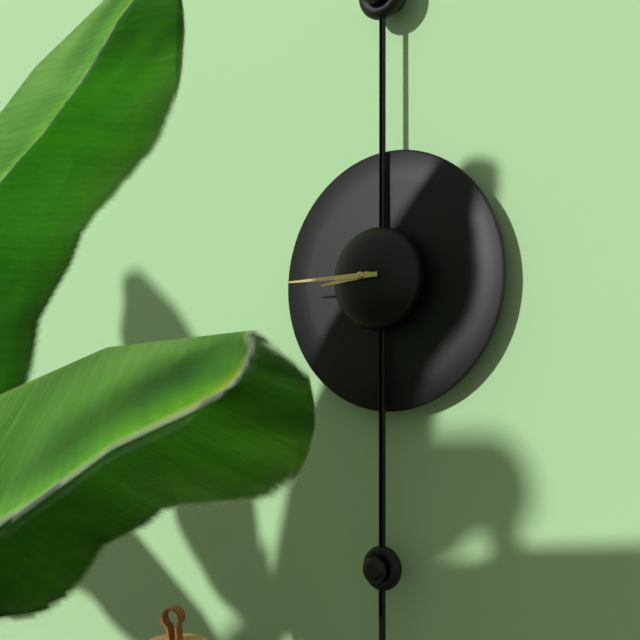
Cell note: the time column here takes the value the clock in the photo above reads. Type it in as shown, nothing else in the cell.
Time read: 8:45
